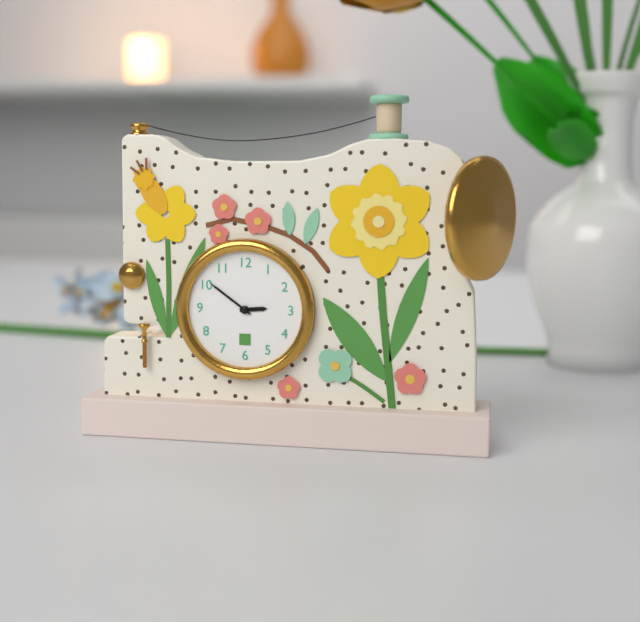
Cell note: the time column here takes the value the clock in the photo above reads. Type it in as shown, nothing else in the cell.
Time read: 2:51
